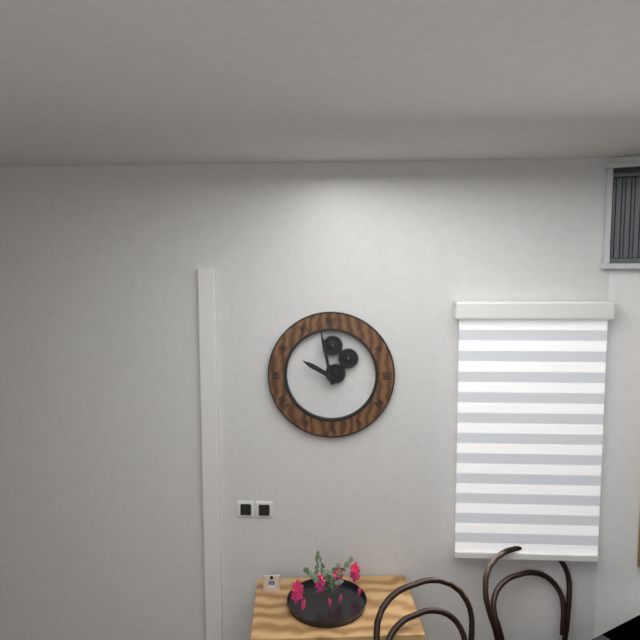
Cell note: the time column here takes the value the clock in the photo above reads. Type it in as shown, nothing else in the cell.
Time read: 9:58
